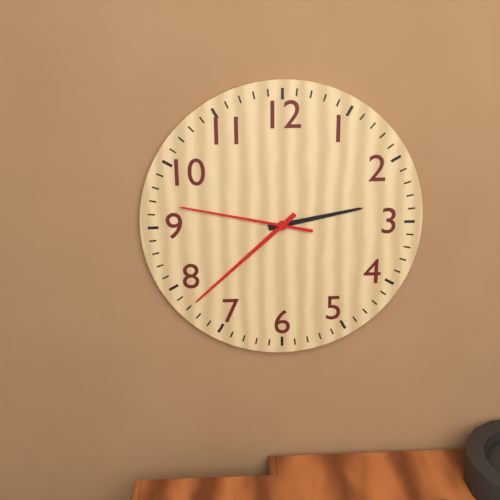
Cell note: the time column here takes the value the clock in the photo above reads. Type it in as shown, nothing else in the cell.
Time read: 2:38:47
